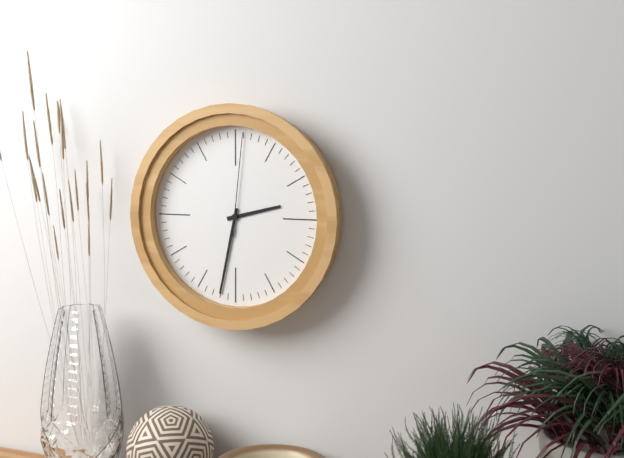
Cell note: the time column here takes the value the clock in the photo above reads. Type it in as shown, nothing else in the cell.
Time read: 2:32:01
